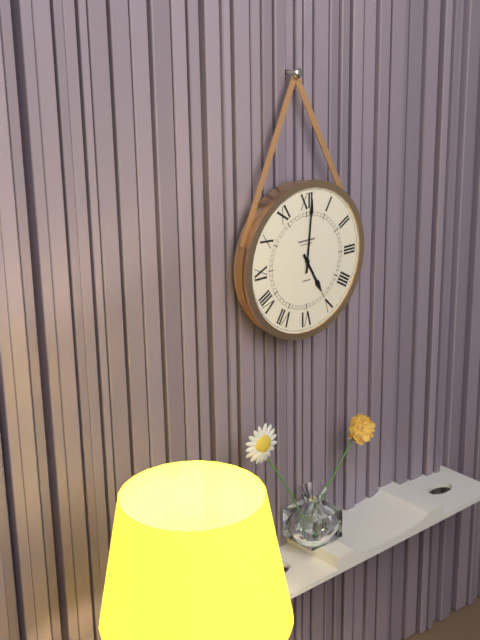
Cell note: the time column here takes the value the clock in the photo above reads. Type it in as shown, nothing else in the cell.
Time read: 5:01
